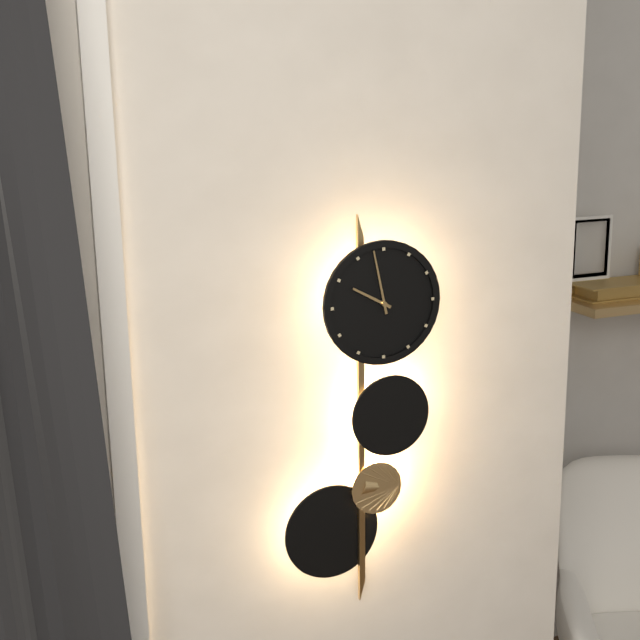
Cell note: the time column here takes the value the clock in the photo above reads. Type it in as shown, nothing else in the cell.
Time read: 9:58
